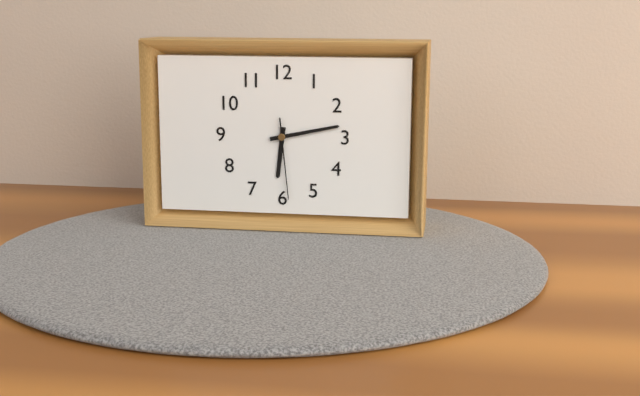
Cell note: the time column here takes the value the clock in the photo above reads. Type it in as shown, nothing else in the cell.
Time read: 6:13:29
